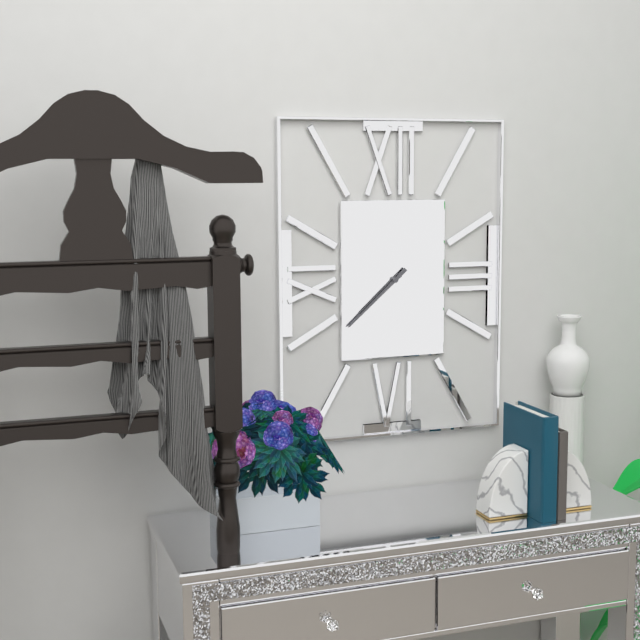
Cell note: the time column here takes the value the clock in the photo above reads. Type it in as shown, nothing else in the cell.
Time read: 7:38
